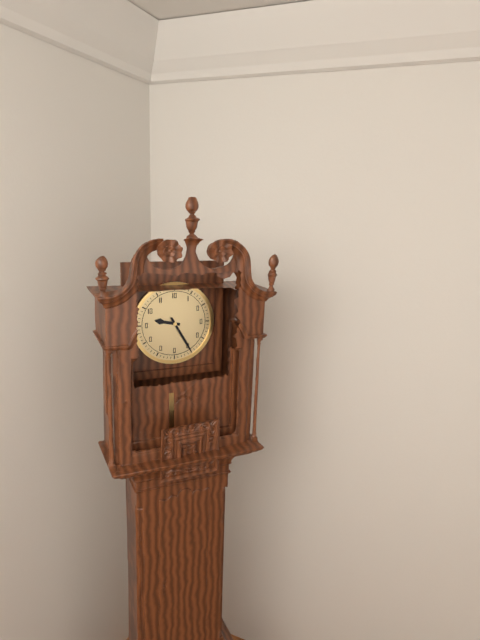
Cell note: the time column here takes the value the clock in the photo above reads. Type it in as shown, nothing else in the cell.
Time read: 9:25
